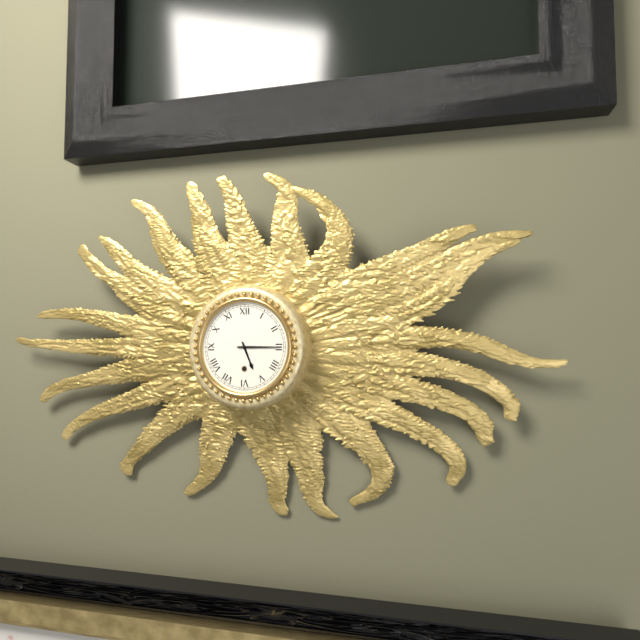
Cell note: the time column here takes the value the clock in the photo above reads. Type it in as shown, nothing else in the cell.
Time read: 5:15
